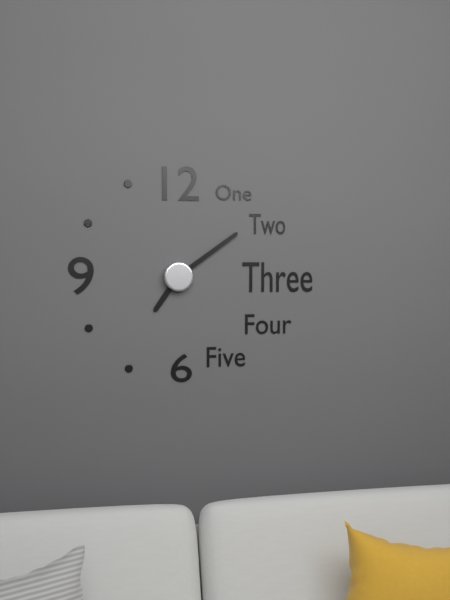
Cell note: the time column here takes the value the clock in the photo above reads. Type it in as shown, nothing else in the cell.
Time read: 7:09
